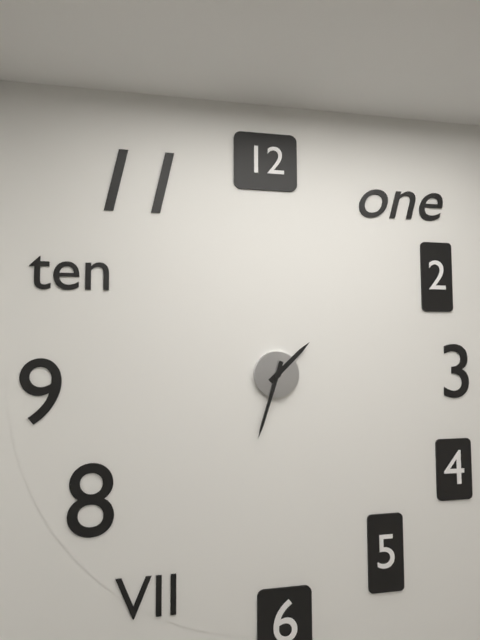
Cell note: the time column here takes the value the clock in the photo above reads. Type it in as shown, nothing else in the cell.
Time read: 1:33
